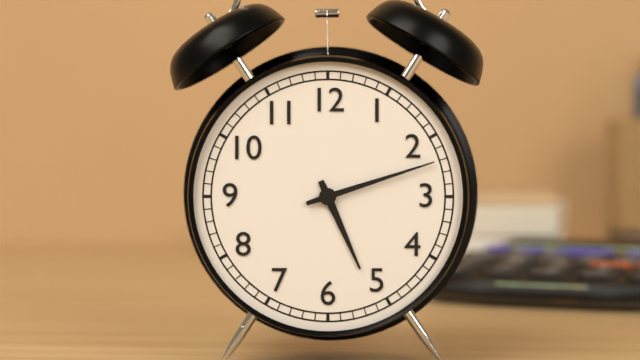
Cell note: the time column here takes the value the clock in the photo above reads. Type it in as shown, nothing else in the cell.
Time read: 5:12
